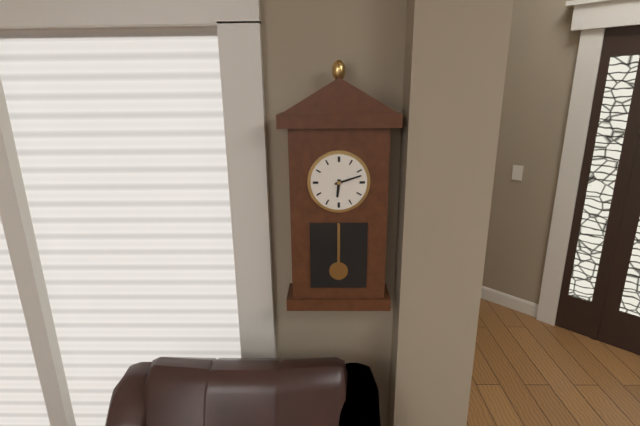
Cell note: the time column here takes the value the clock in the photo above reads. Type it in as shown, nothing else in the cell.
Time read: 6:12
